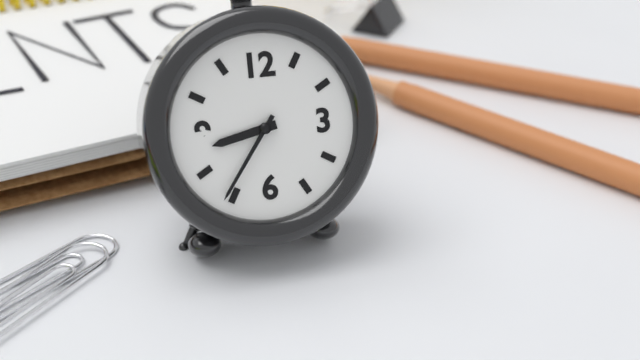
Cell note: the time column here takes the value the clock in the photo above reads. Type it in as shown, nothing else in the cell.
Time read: 8:36
